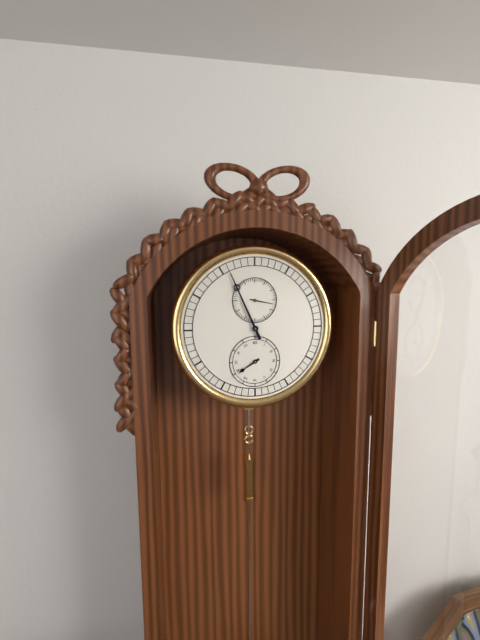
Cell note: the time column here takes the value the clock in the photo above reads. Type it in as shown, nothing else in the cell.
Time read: 7:56
